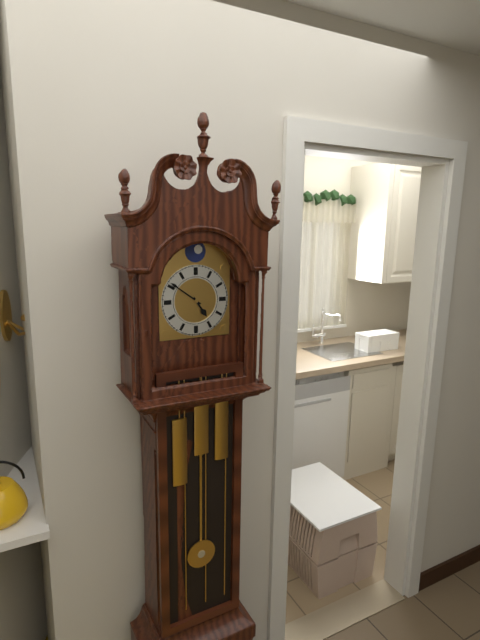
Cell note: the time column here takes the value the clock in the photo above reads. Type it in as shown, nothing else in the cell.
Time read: 4:51
